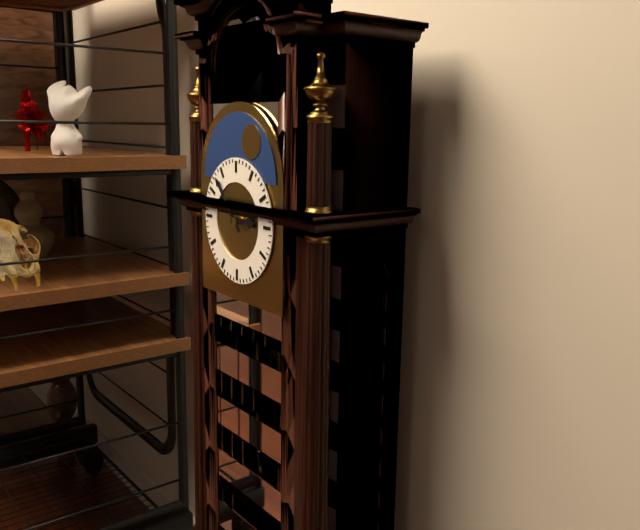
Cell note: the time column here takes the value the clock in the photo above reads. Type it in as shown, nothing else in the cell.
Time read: 2:53
